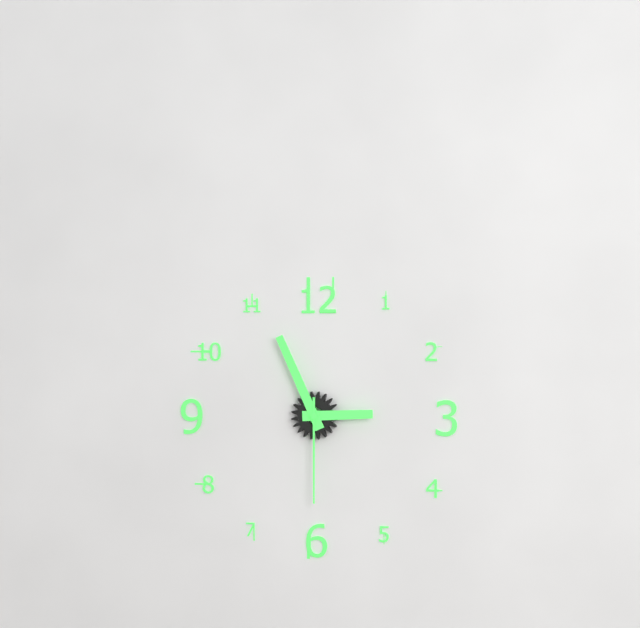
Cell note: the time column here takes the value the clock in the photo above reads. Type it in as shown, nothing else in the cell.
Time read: 2:56:30
